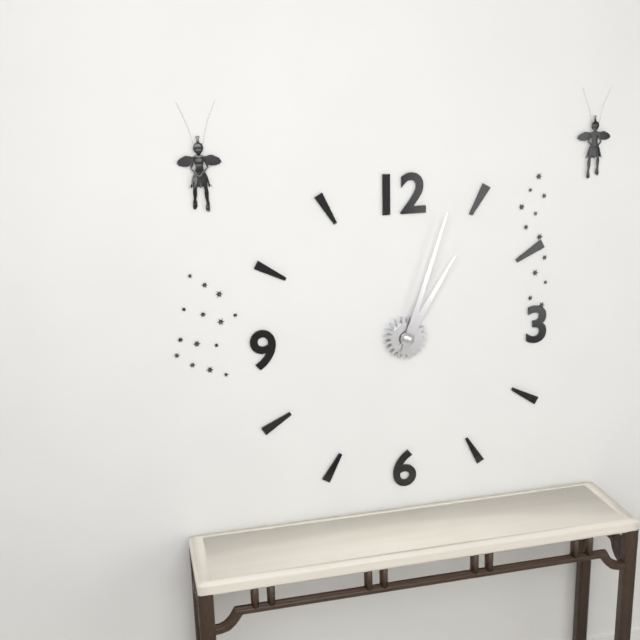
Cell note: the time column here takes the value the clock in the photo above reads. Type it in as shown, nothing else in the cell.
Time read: 1:03
